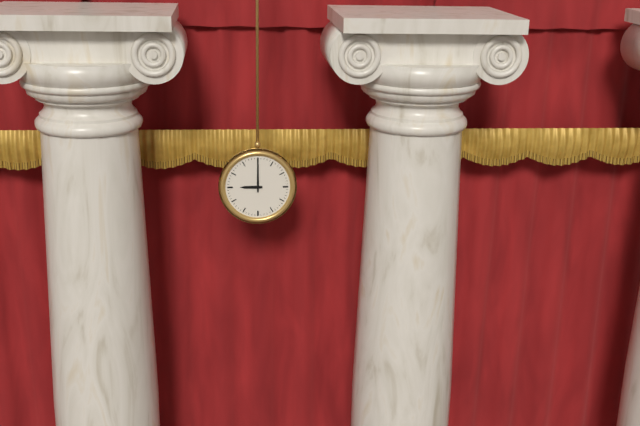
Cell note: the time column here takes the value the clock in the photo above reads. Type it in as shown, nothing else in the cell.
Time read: 9:00
